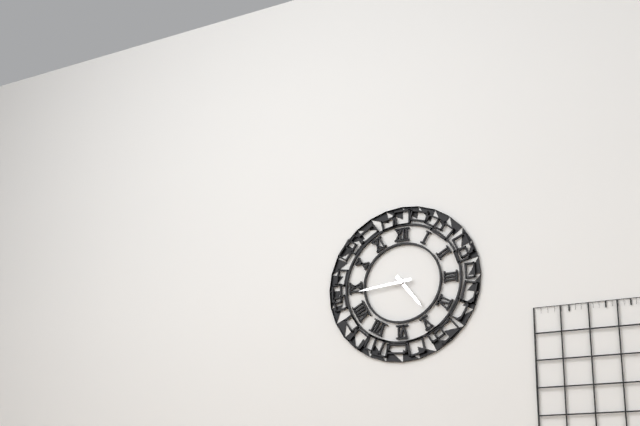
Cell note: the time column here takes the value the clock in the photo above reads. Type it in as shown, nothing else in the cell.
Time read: 4:44
